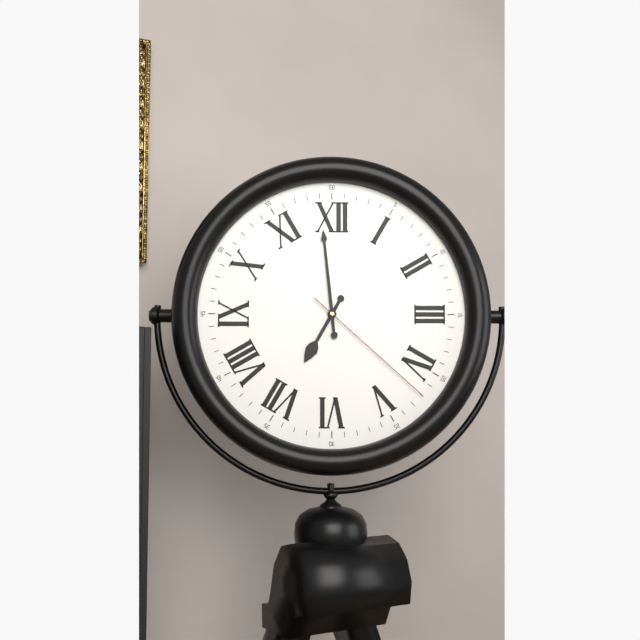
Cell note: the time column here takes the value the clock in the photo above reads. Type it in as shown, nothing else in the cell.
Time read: 6:59:22
